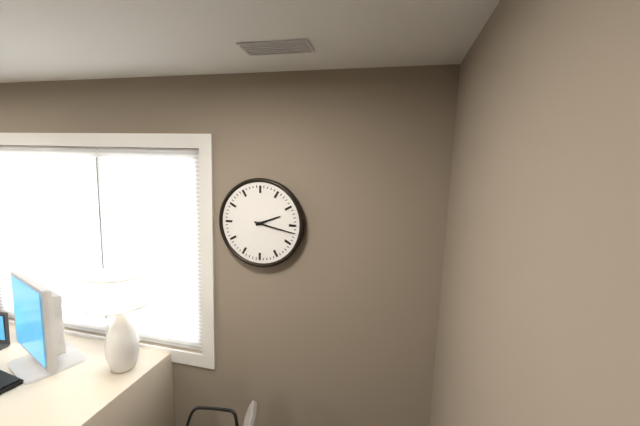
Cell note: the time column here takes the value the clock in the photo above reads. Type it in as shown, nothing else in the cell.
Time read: 2:17
